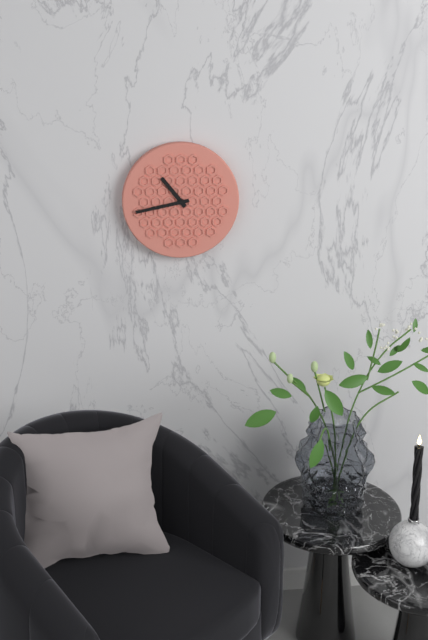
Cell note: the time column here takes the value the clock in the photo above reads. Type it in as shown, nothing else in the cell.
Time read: 10:43
